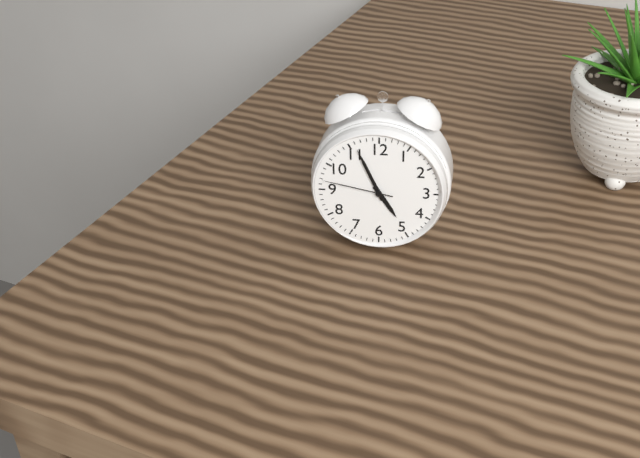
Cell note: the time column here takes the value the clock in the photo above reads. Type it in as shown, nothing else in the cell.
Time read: 4:56:47
